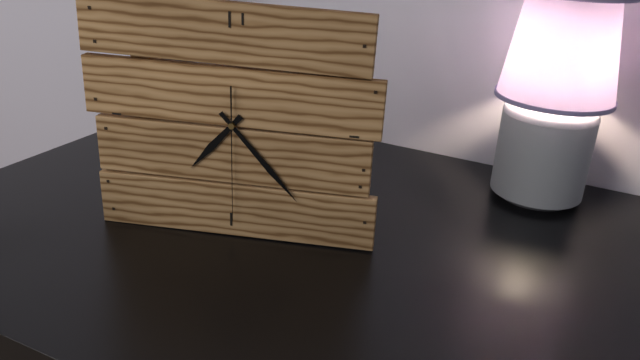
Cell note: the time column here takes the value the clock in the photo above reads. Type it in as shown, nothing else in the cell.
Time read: 7:23:30
